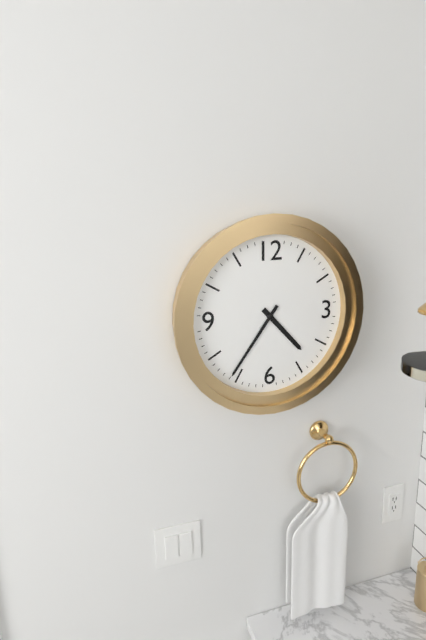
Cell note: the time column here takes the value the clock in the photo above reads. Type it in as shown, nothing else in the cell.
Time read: 4:36
